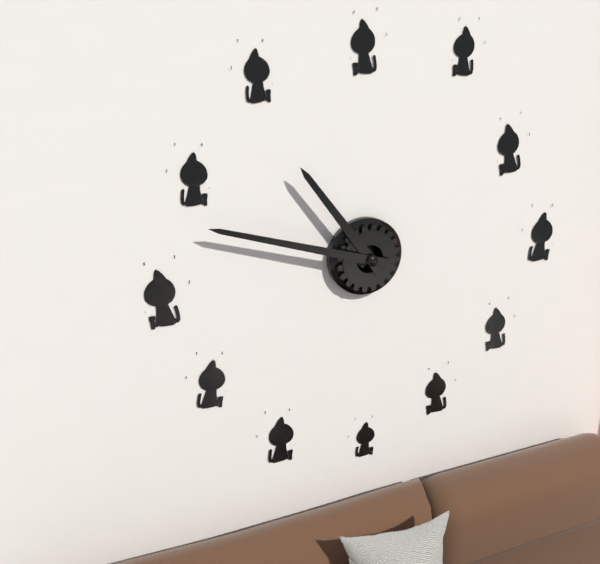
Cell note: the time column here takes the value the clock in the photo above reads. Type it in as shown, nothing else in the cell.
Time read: 10:48
